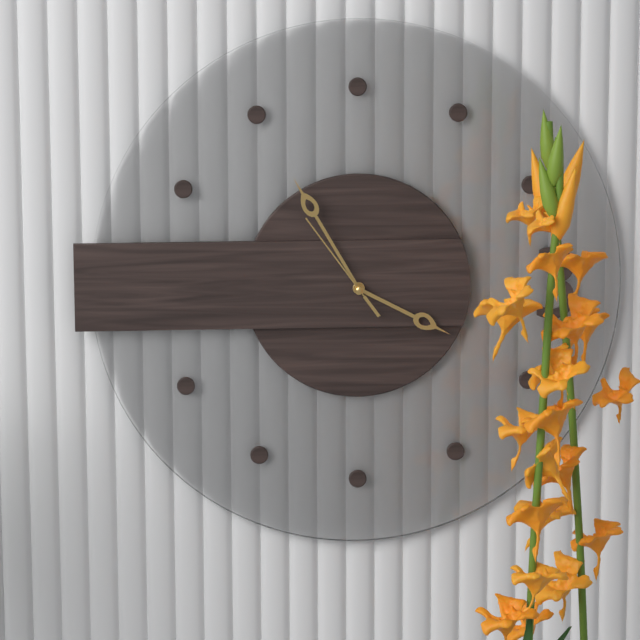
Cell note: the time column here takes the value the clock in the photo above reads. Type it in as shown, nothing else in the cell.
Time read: 3:55:54
